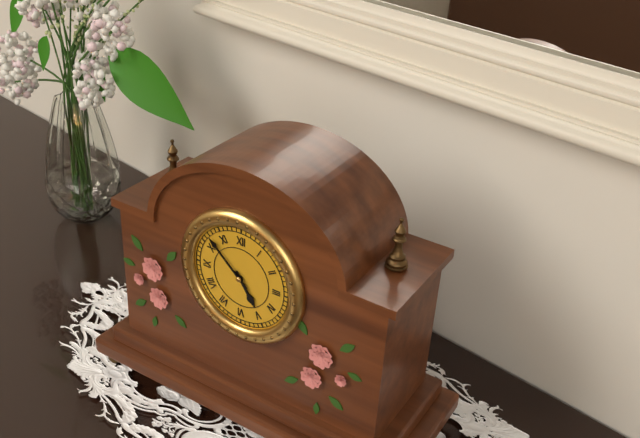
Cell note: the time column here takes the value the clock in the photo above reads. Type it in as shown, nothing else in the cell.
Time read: 4:52
